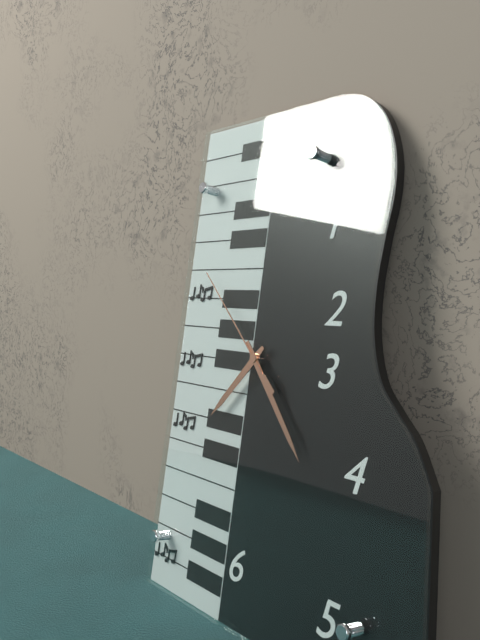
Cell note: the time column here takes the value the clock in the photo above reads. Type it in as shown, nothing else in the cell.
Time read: 7:23:52
